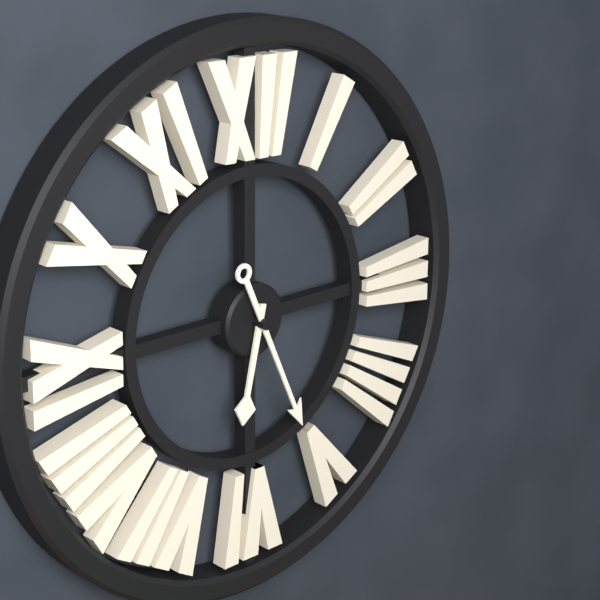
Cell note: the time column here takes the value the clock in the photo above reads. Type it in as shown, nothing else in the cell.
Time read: 6:26
